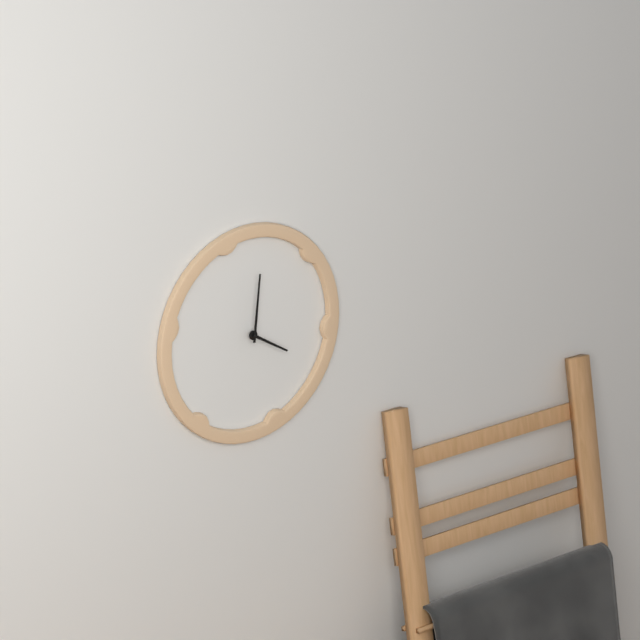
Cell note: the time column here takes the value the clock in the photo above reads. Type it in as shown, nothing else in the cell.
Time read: 4:01
